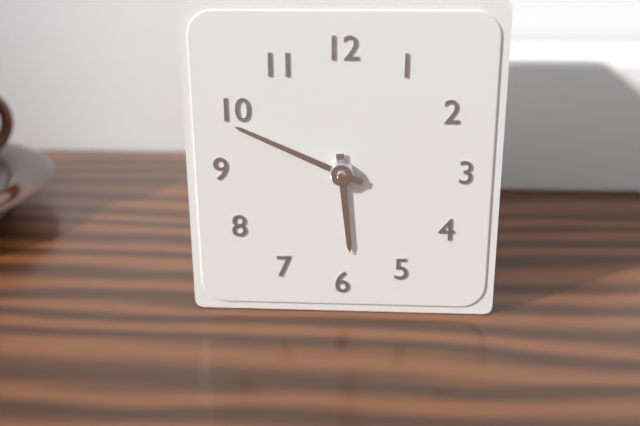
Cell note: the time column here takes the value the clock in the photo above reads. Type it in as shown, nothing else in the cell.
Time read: 5:49
